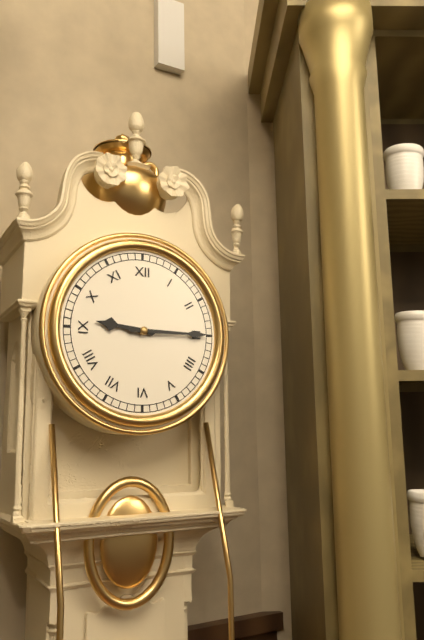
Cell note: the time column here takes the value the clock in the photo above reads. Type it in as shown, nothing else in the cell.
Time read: 9:15
